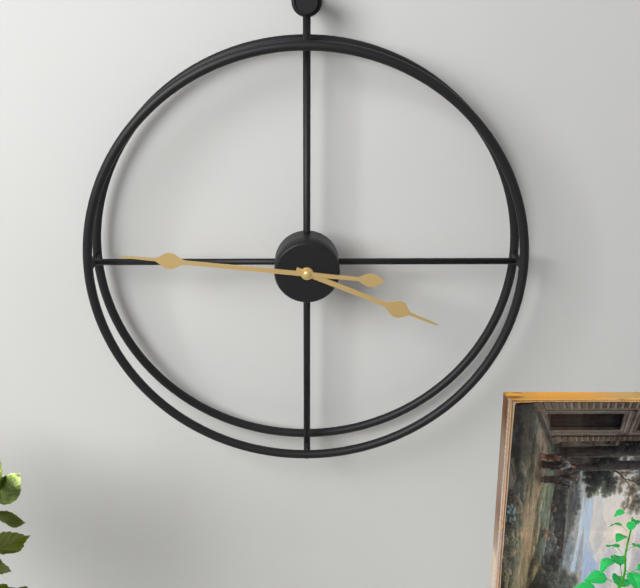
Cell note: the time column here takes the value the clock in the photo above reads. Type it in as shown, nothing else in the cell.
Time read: 3:46
